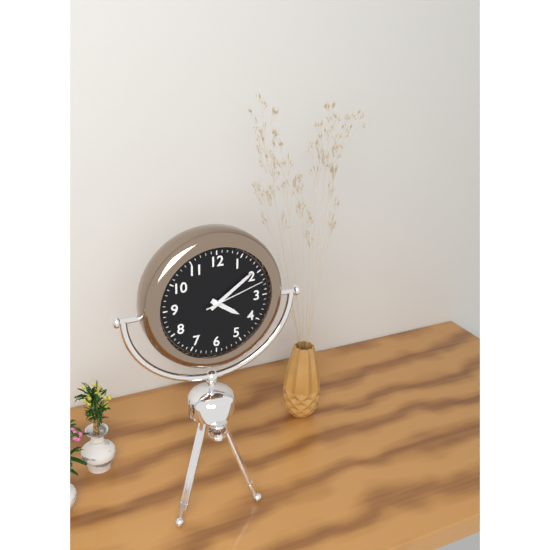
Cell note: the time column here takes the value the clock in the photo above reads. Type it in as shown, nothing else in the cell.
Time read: 4:09:12
